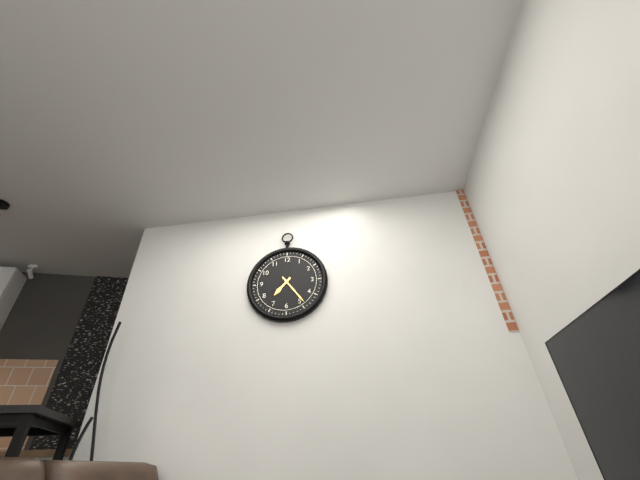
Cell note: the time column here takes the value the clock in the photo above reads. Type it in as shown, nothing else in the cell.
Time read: 7:24
